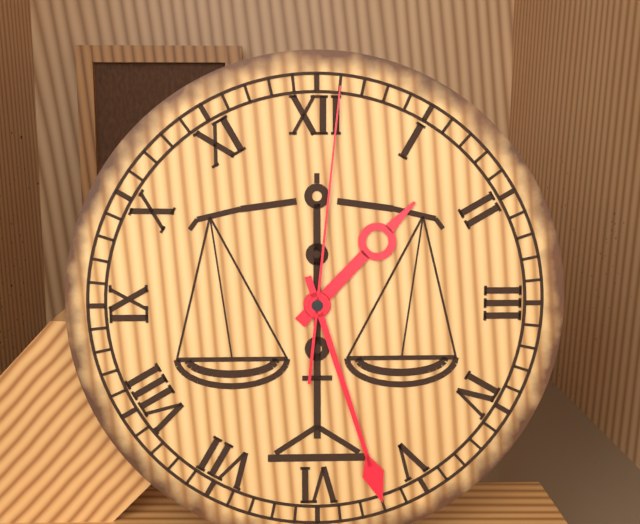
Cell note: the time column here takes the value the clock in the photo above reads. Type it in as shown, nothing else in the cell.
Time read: 1:27:01
